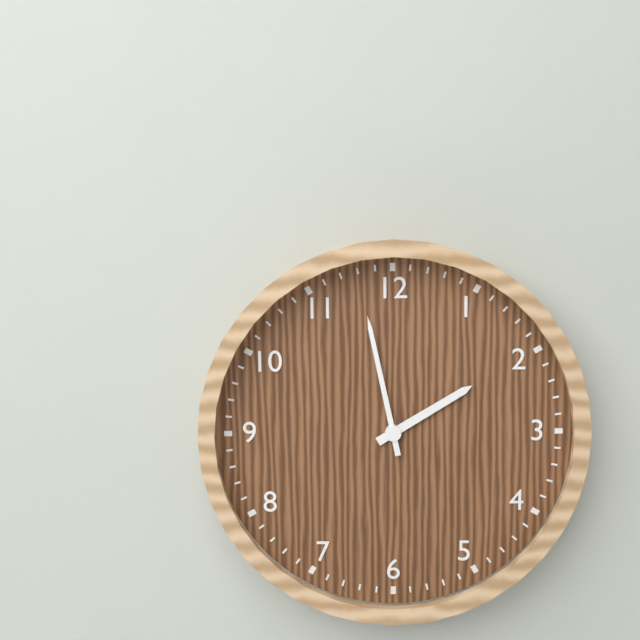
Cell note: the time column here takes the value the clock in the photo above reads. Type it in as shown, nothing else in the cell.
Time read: 1:58
